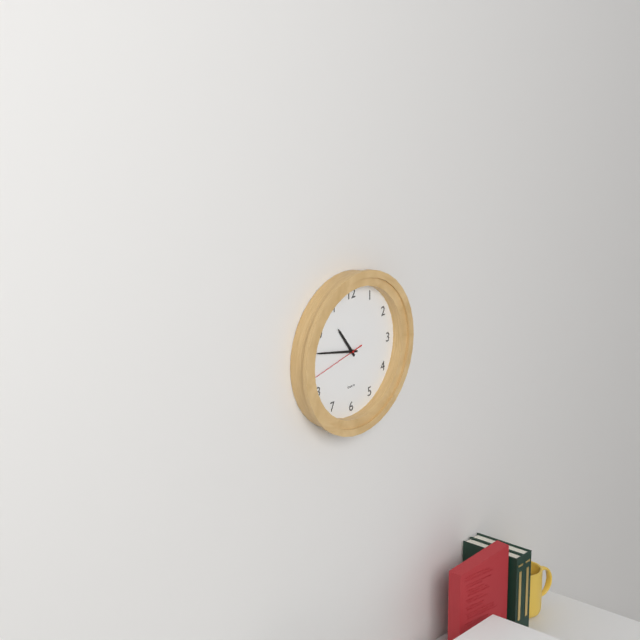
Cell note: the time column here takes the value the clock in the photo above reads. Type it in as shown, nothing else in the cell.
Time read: 10:47:43
